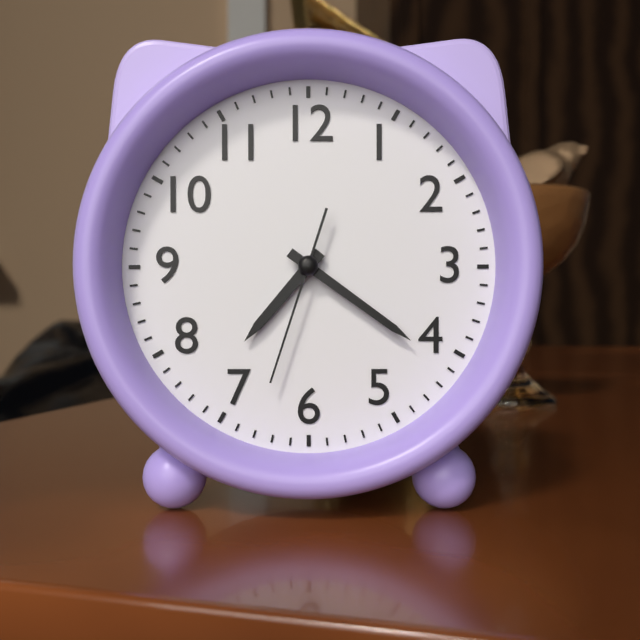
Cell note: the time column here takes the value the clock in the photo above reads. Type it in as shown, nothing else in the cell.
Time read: 7:21:33
